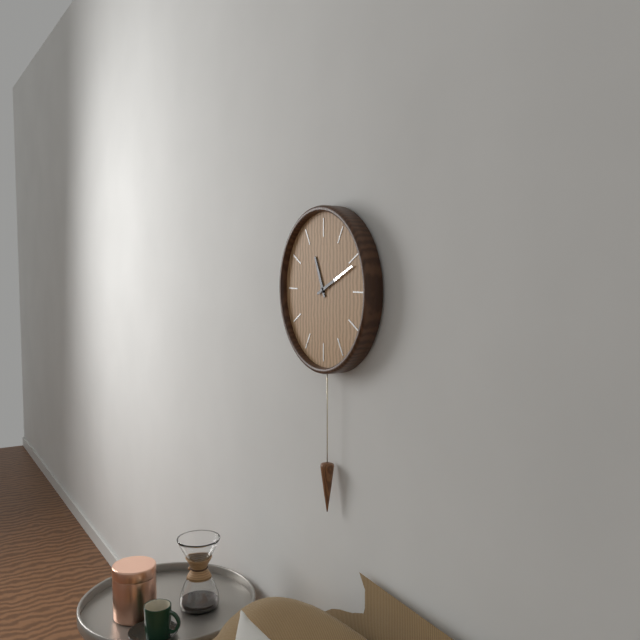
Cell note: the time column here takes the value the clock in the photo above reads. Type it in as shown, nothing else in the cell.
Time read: 11:11
